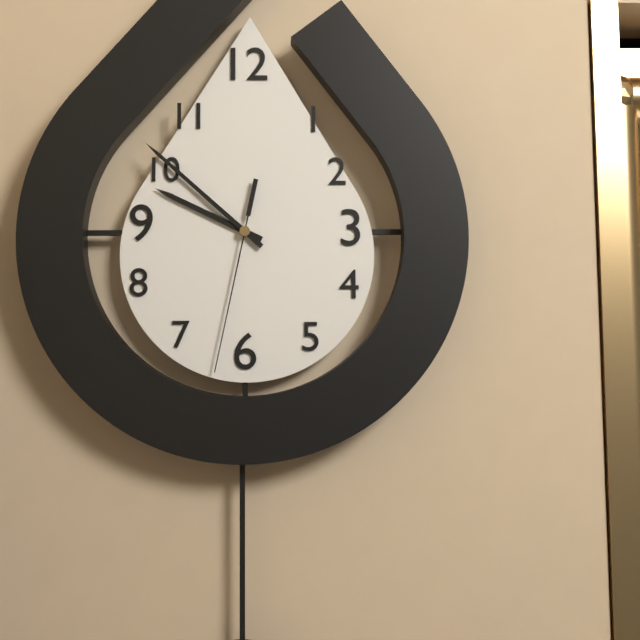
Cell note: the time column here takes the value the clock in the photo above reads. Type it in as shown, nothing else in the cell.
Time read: 9:52:32
